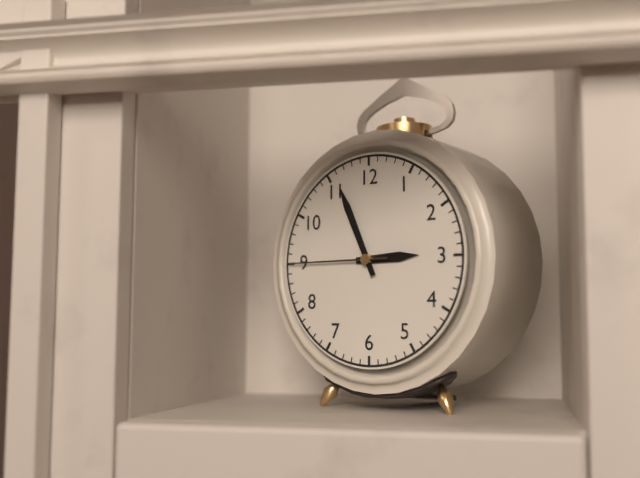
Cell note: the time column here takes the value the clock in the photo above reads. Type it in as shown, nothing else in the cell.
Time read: 2:56:45
